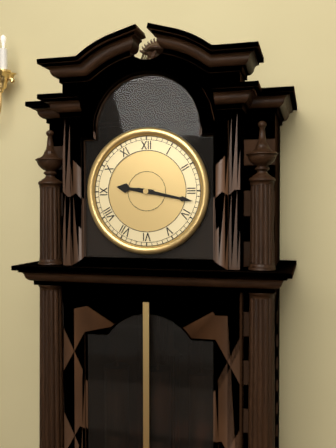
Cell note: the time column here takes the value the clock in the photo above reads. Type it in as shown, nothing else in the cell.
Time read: 9:17
